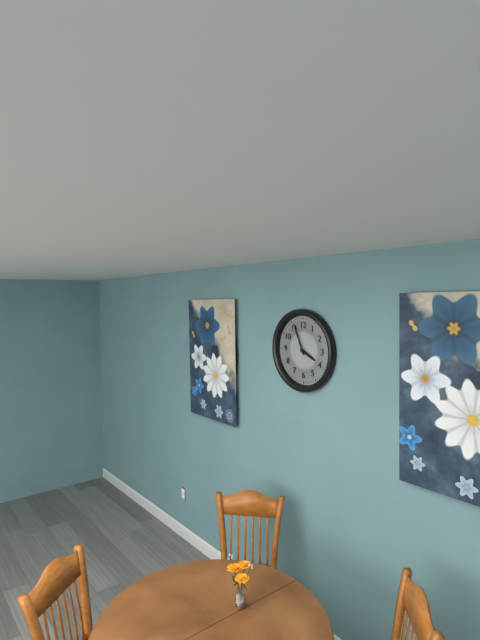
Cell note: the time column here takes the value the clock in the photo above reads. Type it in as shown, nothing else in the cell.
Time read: 3:56
